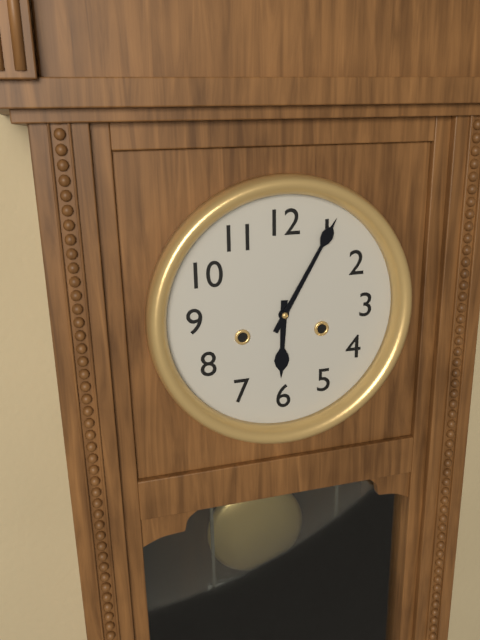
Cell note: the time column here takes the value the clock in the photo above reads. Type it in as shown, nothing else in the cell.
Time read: 6:05
